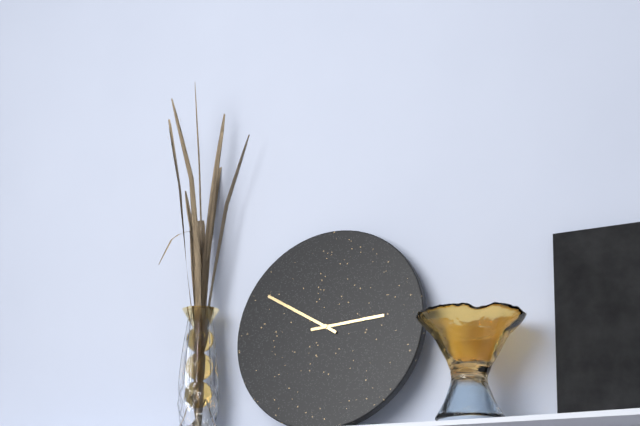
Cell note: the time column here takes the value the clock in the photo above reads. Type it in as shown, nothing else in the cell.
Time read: 2:50
